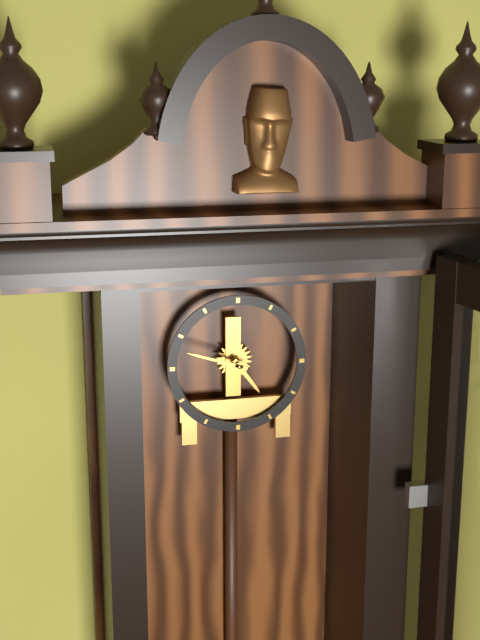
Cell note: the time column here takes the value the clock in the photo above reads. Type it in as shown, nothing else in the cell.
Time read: 4:48
